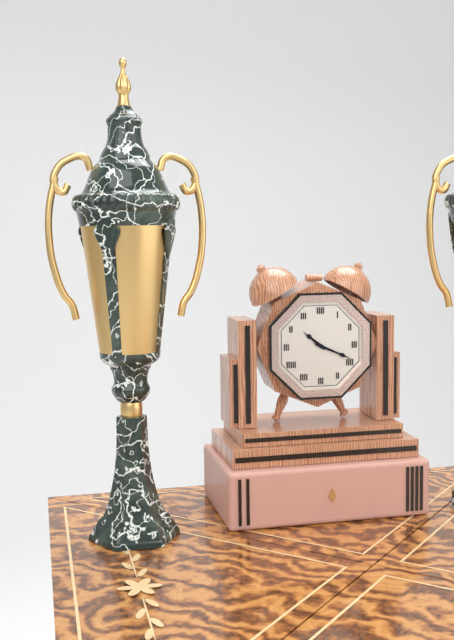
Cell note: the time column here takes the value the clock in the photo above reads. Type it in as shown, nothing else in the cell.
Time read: 10:19
